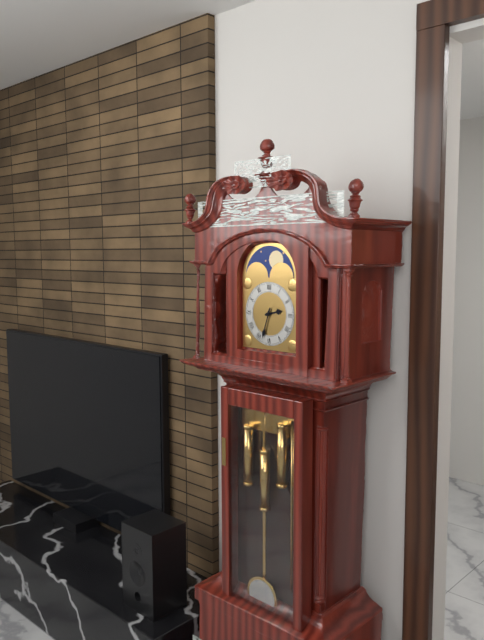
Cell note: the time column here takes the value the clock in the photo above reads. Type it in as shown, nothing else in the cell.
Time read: 2:33
